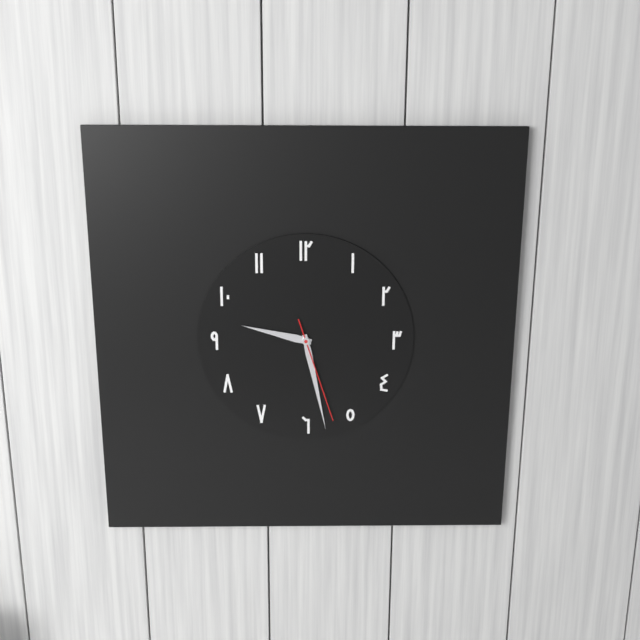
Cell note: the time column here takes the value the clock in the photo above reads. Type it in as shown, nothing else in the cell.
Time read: 9:28:27
